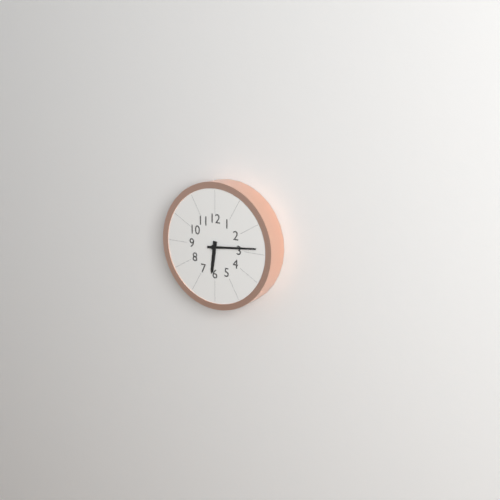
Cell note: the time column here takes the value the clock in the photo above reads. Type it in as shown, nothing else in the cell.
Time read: 6:14
